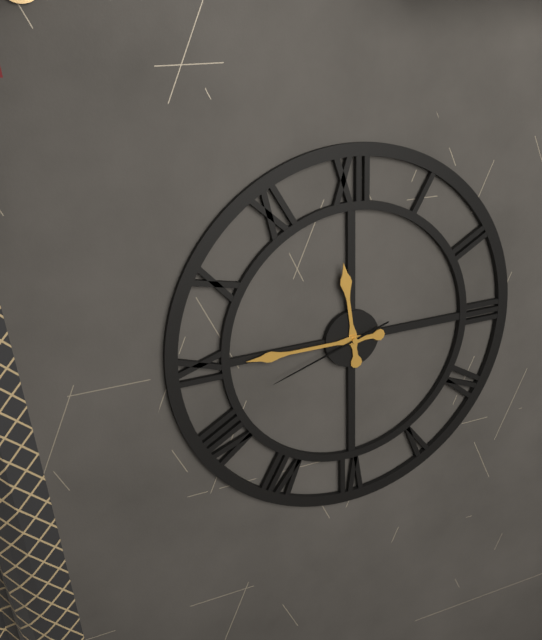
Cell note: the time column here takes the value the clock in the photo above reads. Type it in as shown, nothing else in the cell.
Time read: 11:45:42
